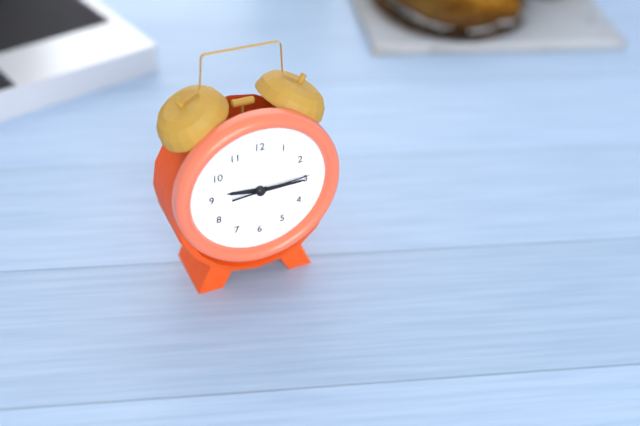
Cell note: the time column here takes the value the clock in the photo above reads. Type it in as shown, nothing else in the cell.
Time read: 9:15:14
